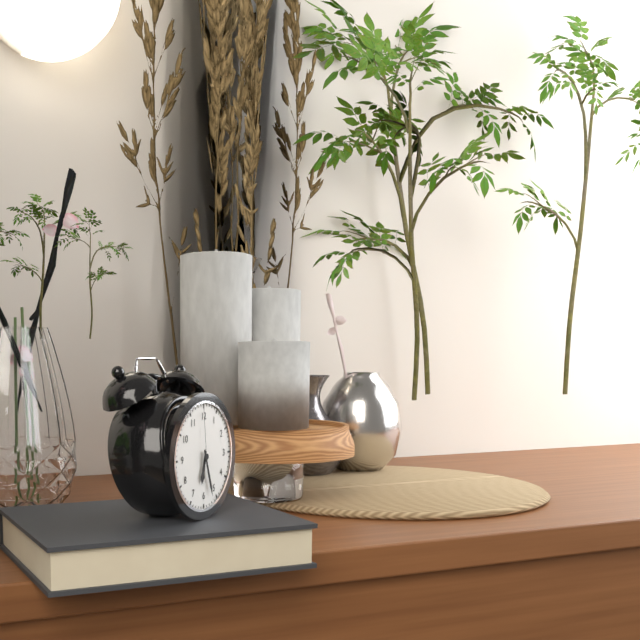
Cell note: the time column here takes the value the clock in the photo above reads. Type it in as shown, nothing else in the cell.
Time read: 6:27:59
